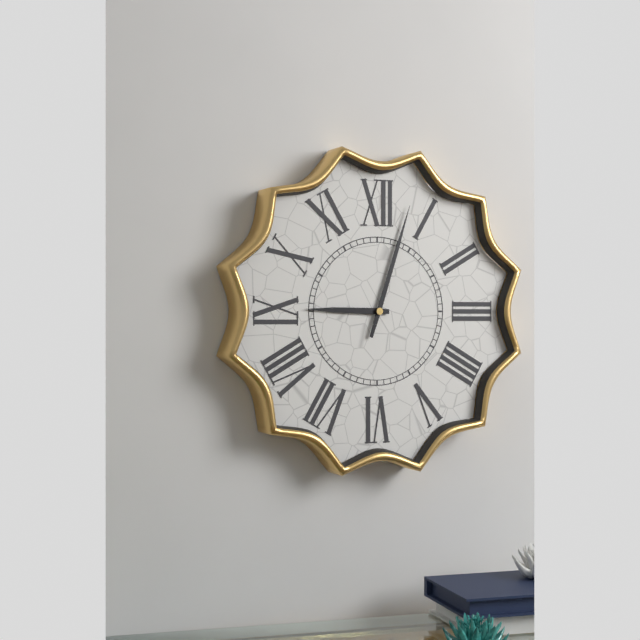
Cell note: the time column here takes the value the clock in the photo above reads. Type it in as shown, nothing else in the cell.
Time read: 9:03
